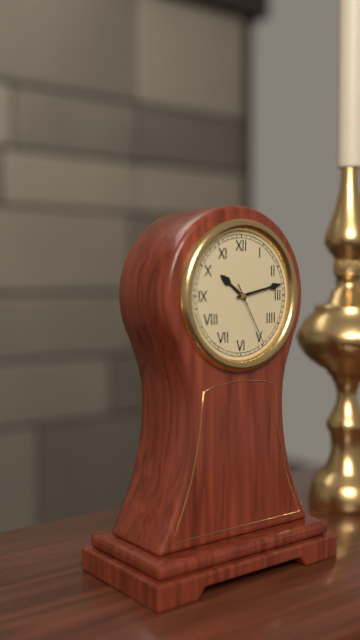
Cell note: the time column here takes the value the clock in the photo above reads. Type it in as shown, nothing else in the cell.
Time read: 10:13:25
